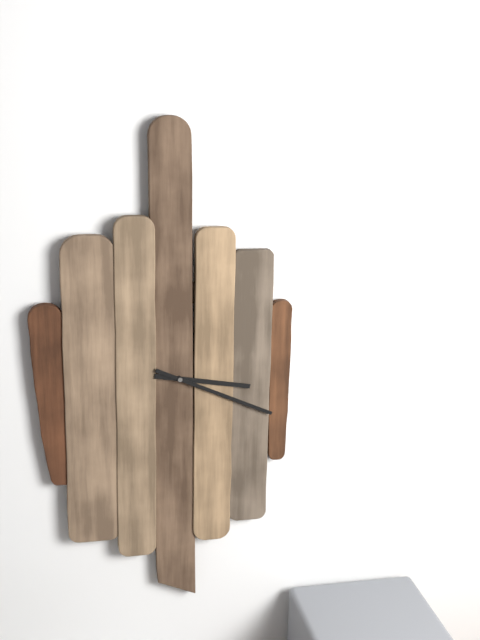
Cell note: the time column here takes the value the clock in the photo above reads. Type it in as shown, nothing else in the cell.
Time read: 3:19
